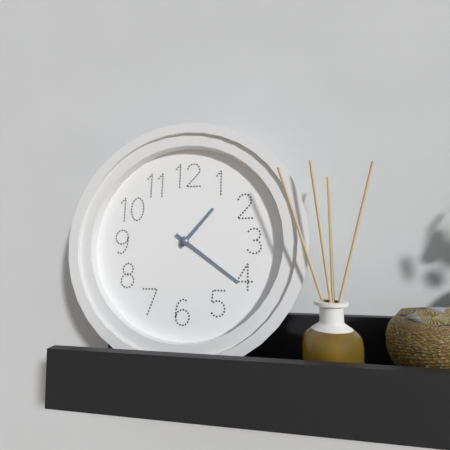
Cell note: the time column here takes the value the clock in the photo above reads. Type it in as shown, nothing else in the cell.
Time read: 1:21
